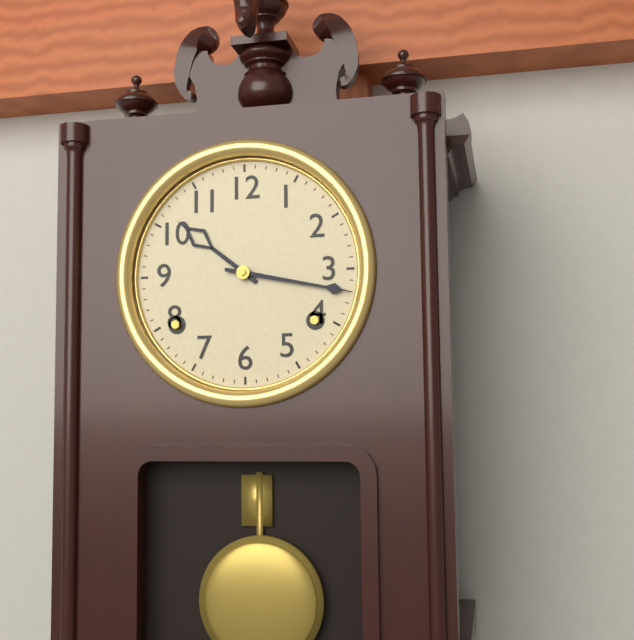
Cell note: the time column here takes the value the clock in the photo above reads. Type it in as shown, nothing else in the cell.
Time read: 10:17
